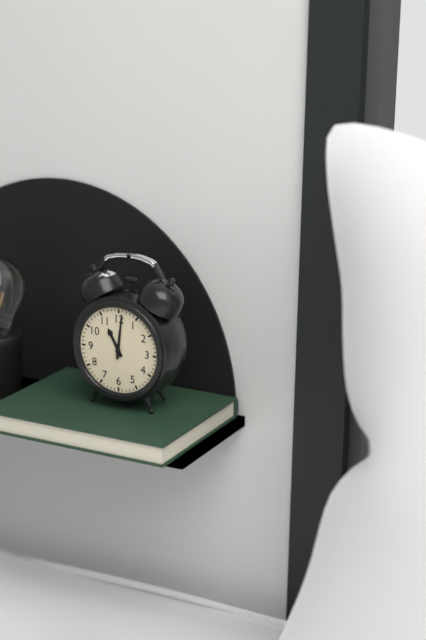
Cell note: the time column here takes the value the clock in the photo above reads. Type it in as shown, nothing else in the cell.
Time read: 11:01
